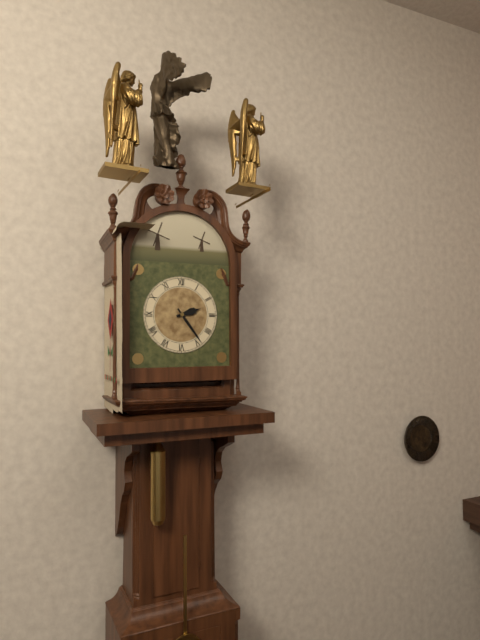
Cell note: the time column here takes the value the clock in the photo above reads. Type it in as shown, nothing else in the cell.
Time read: 2:24
